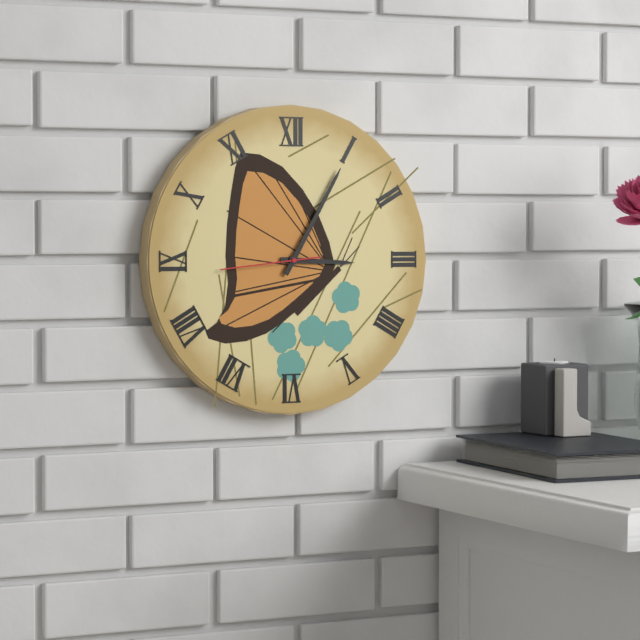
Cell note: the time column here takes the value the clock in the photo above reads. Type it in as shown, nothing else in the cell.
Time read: 3:05:44
